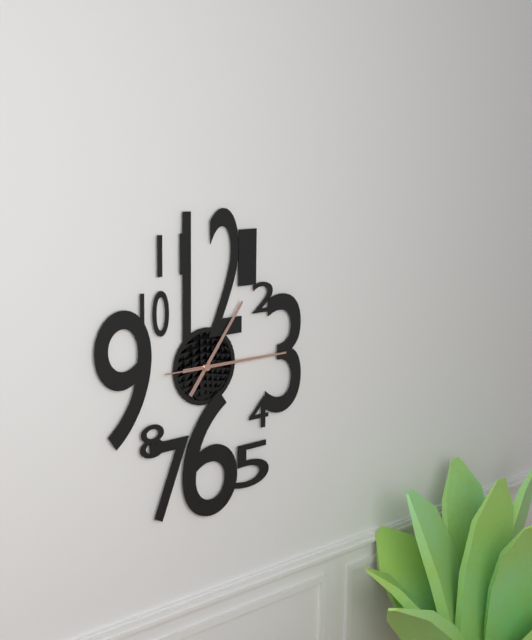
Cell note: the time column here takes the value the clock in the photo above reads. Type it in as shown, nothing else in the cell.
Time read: 1:15:15
